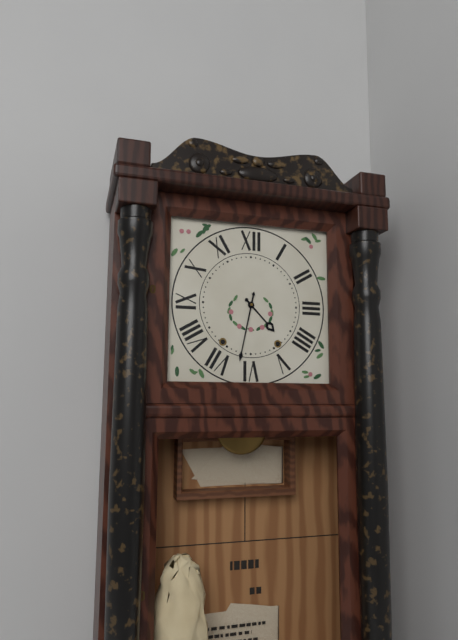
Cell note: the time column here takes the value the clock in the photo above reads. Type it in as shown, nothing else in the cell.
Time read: 4:32
